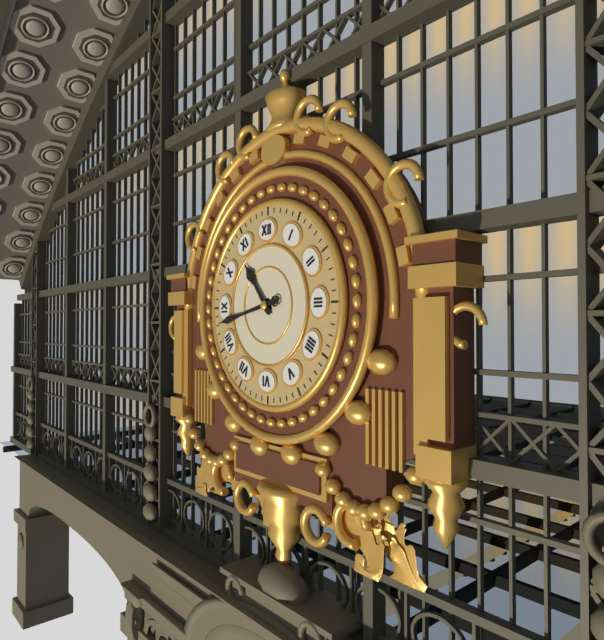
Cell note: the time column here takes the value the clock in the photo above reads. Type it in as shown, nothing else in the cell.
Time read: 10:43
